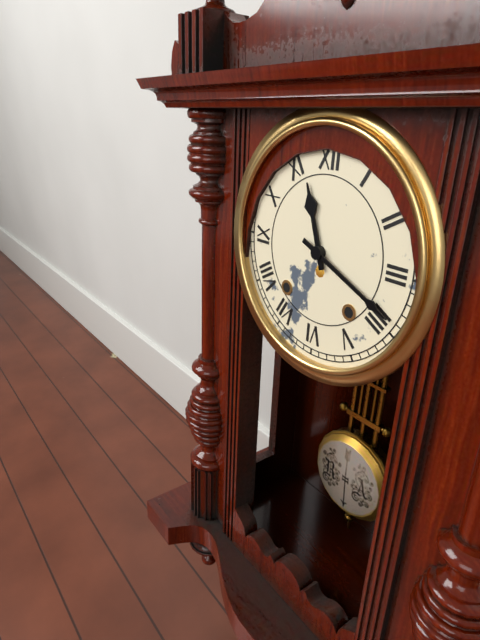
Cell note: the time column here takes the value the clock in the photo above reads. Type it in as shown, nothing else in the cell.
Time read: 11:19
